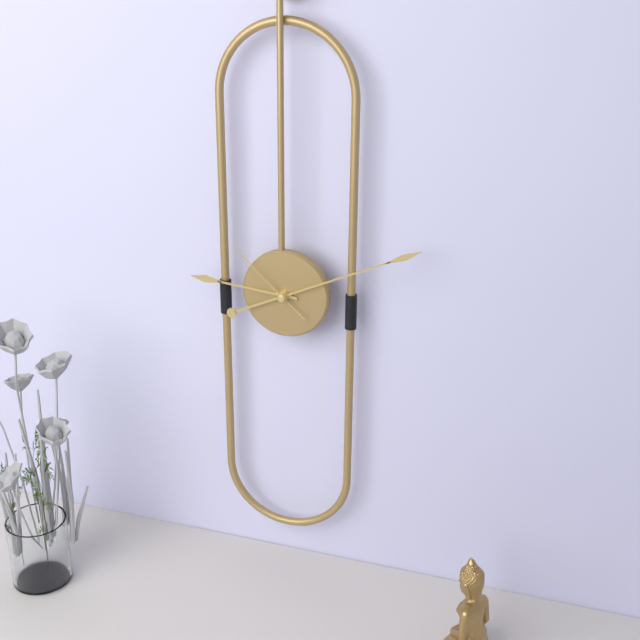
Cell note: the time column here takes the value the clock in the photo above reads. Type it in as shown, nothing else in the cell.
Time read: 9:11:52
